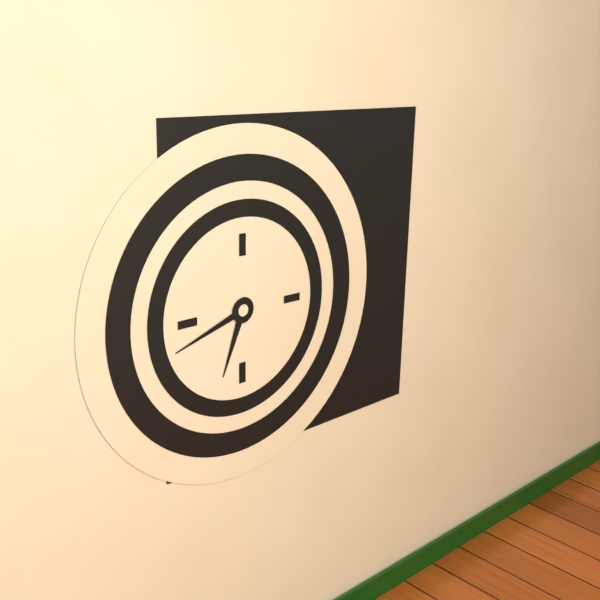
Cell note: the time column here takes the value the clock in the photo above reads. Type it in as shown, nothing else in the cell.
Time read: 6:42
